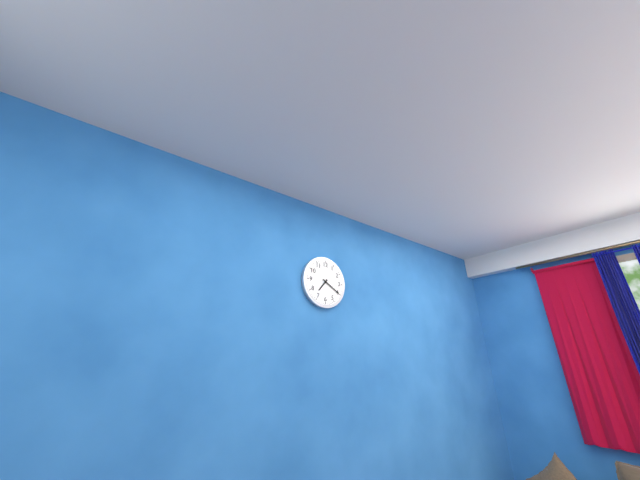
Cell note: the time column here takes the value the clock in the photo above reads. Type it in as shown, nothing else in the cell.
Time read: 7:20
